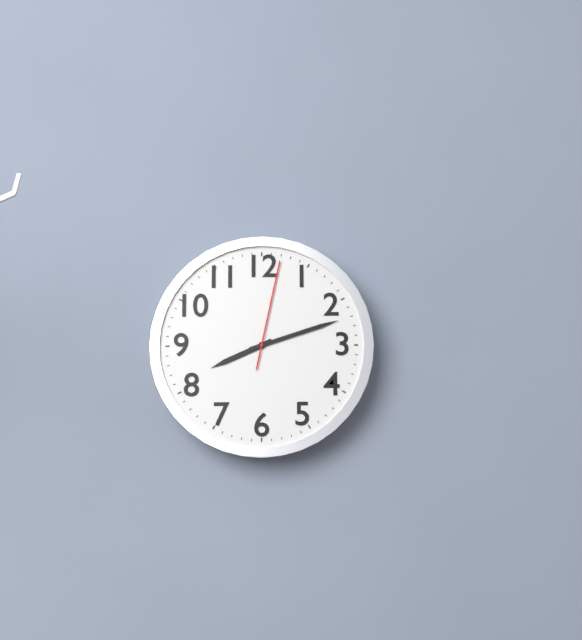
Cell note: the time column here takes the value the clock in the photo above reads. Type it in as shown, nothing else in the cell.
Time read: 8:12:02
